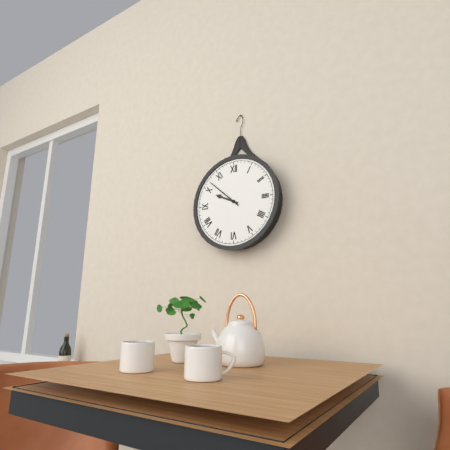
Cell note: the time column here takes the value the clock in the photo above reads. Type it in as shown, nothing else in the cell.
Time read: 9:52
